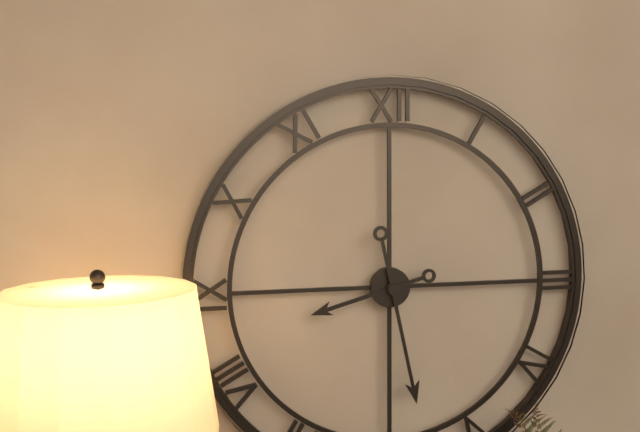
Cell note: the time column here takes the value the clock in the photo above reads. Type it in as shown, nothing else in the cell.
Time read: 8:28
